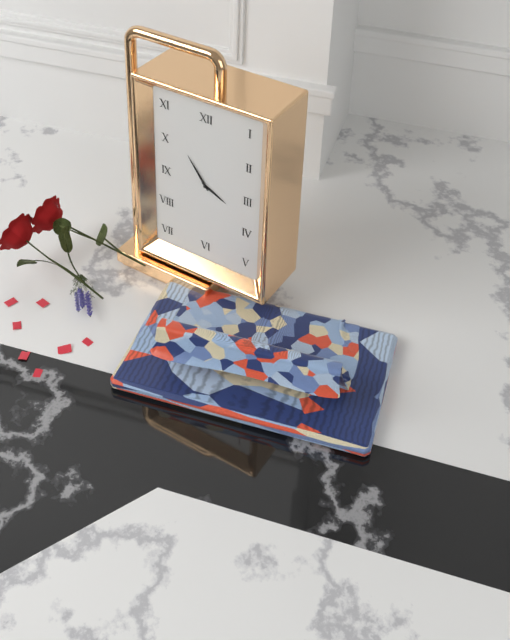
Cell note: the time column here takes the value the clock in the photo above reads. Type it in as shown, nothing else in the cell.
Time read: 3:54
